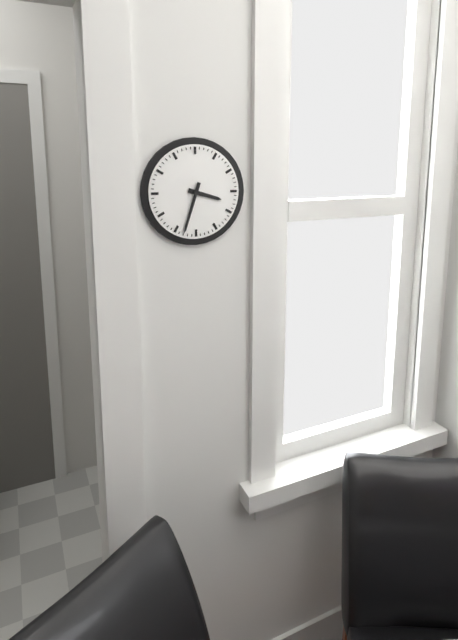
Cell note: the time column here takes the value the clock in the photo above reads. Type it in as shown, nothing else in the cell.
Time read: 3:33
